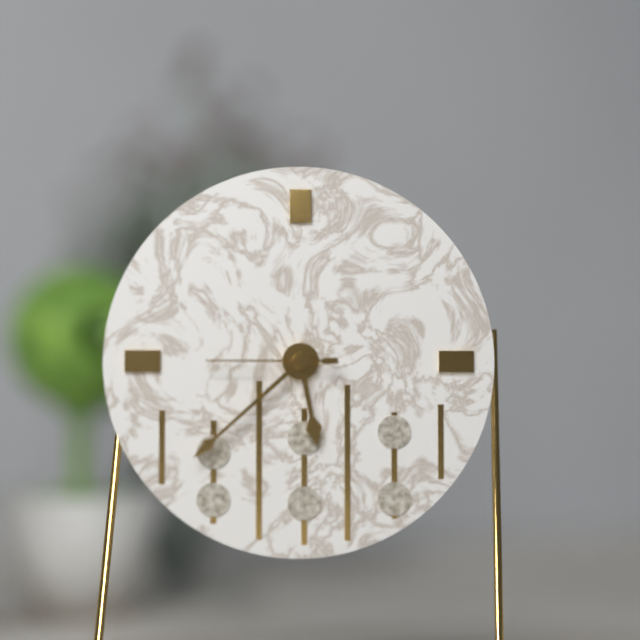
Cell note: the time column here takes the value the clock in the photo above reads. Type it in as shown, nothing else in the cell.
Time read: 5:38:45
